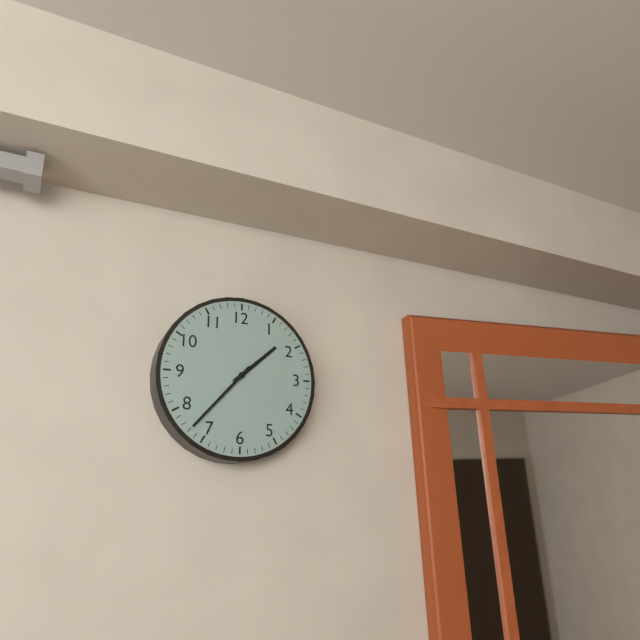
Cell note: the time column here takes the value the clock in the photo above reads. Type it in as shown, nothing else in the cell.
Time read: 1:37
